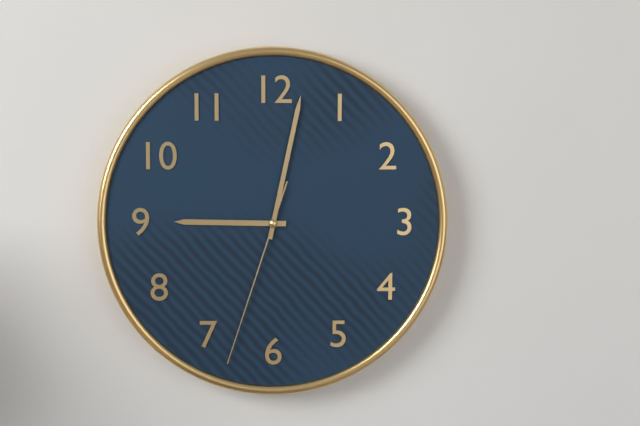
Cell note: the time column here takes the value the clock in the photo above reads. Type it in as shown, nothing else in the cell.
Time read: 9:02:33
